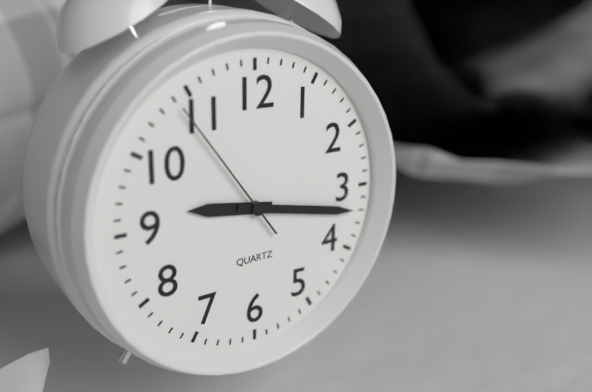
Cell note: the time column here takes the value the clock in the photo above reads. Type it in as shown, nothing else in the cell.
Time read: 9:17:54
